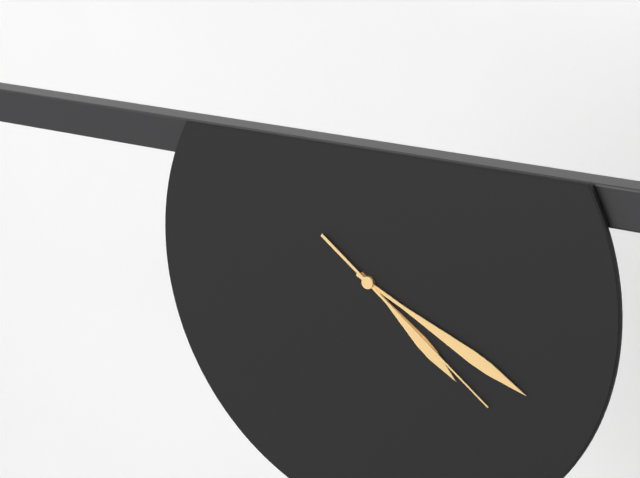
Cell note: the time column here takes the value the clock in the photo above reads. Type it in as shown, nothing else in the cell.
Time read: 4:19:21
